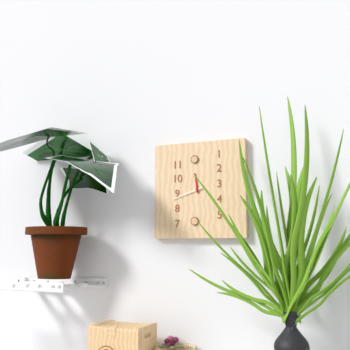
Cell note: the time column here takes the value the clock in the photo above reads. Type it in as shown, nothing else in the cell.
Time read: 11:42
